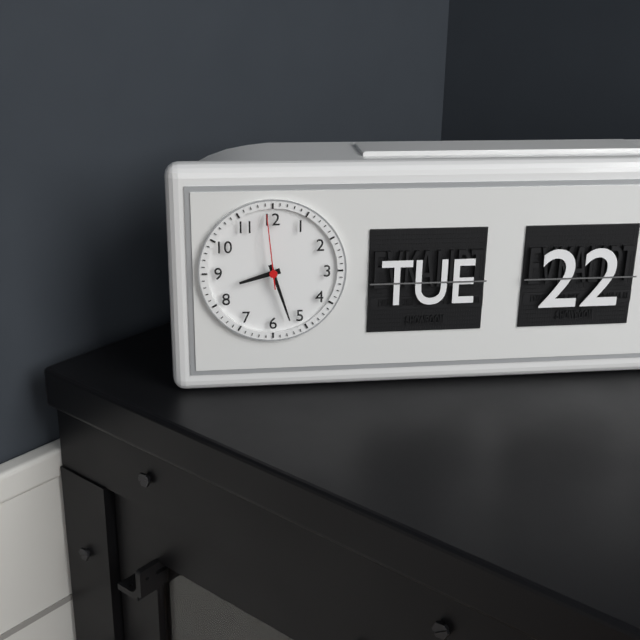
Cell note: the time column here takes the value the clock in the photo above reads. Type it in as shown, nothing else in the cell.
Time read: 8:27:59
